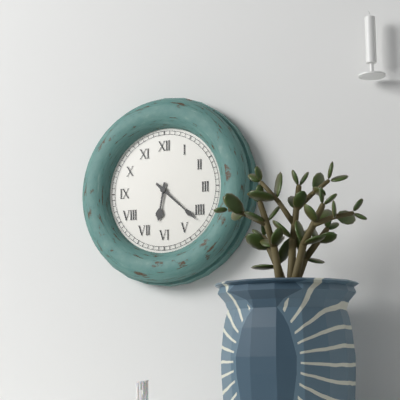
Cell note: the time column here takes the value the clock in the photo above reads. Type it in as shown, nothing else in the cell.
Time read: 6:22
